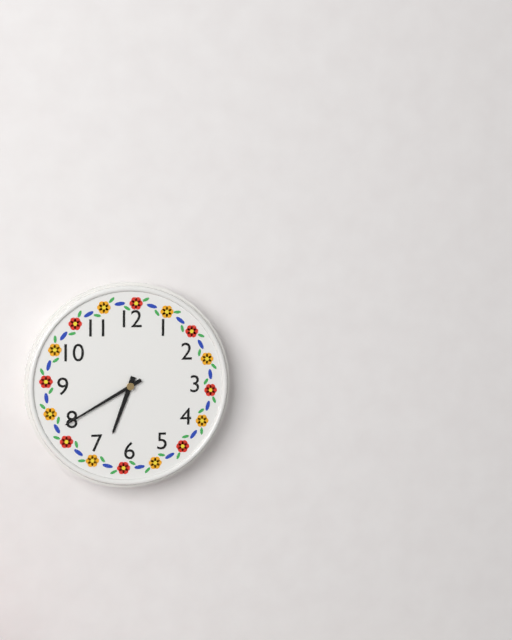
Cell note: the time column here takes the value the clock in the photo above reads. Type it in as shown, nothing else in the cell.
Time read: 6:40
